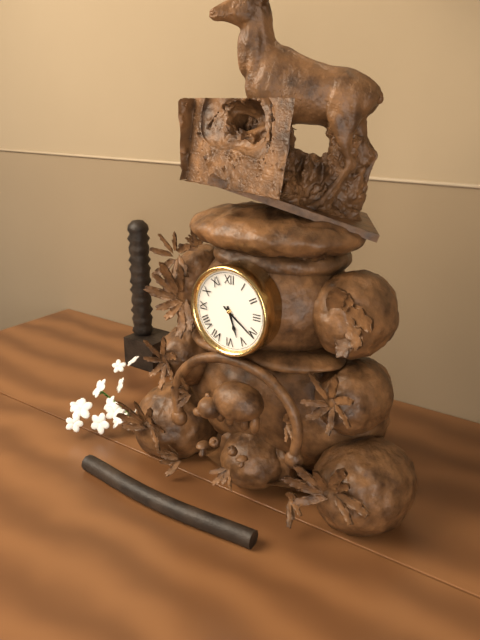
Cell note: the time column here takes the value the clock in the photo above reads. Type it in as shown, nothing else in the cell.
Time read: 5:21
